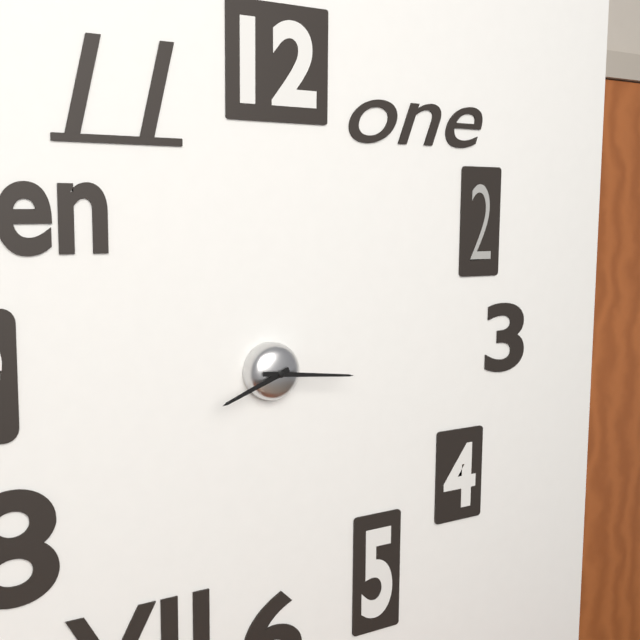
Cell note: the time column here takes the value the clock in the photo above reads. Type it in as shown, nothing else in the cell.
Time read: 8:16
